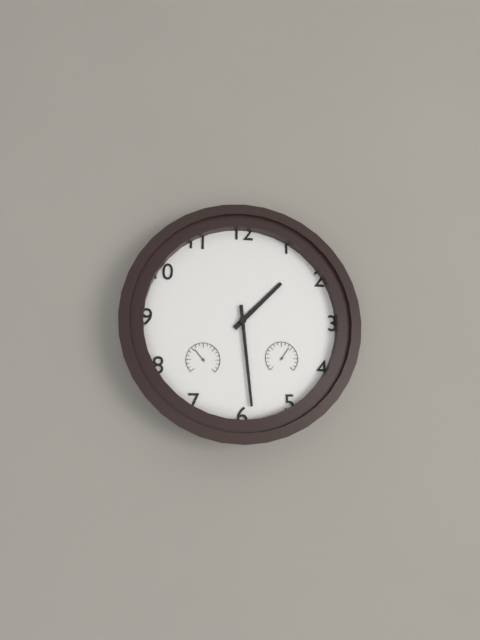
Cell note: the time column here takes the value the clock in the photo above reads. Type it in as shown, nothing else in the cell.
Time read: 1:29
